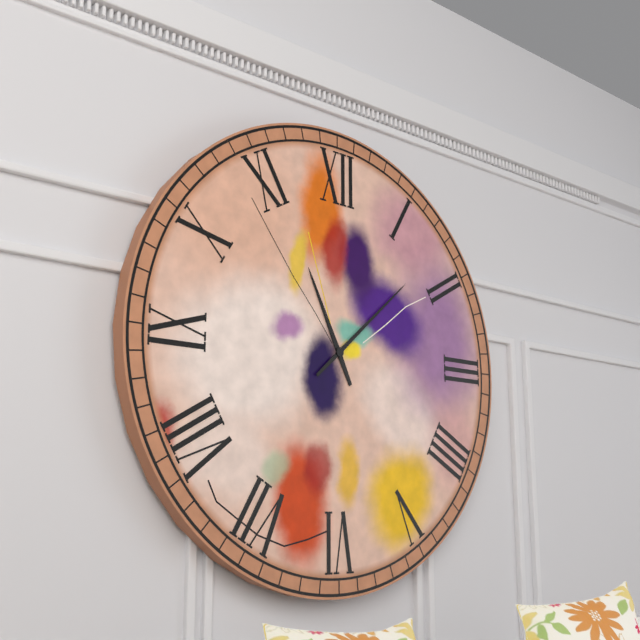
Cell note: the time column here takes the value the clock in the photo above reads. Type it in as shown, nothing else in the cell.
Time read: 11:08
